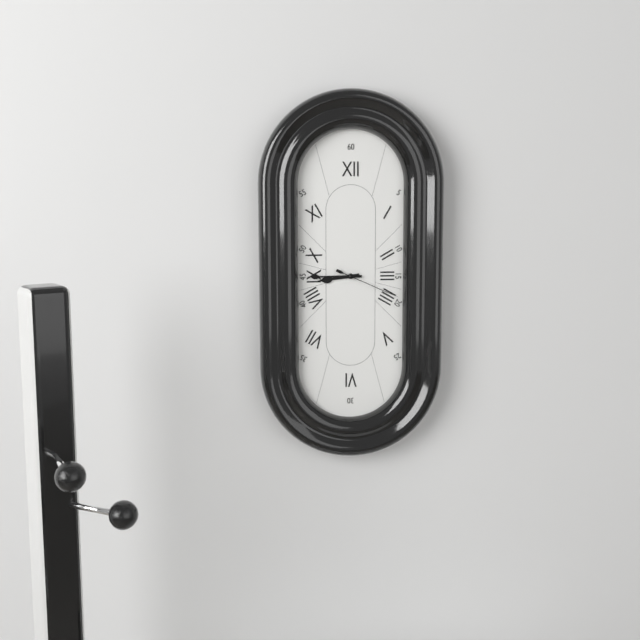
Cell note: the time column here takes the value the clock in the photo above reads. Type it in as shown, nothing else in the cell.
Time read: 8:45:19
